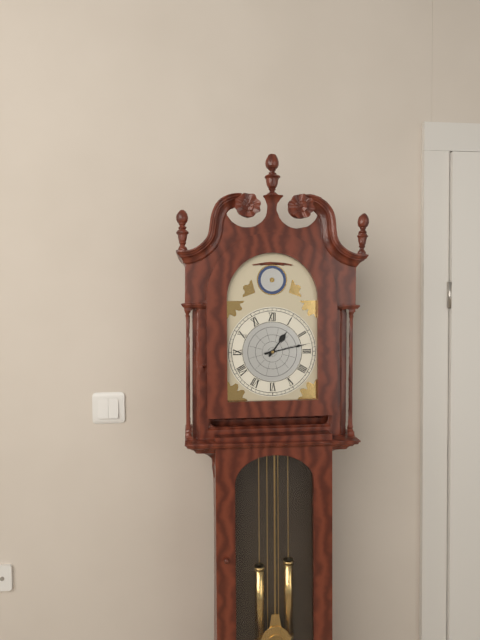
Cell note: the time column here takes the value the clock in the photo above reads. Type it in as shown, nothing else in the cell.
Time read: 1:13
